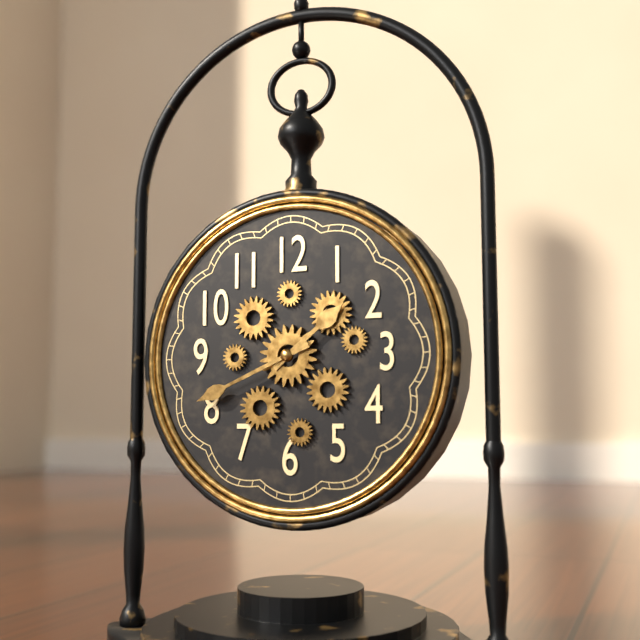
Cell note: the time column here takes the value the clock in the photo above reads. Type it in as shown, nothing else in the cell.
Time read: 1:41
